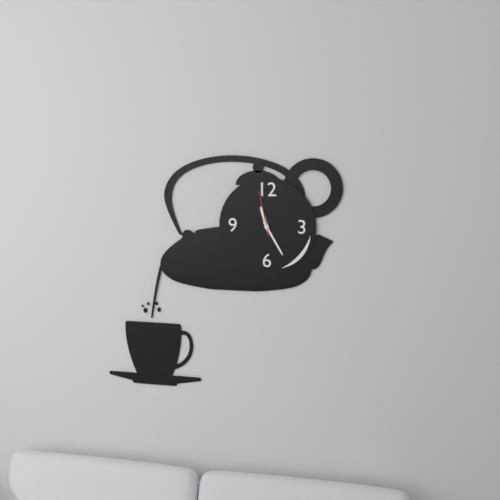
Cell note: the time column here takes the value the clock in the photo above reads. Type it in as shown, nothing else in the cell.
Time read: 11:25
